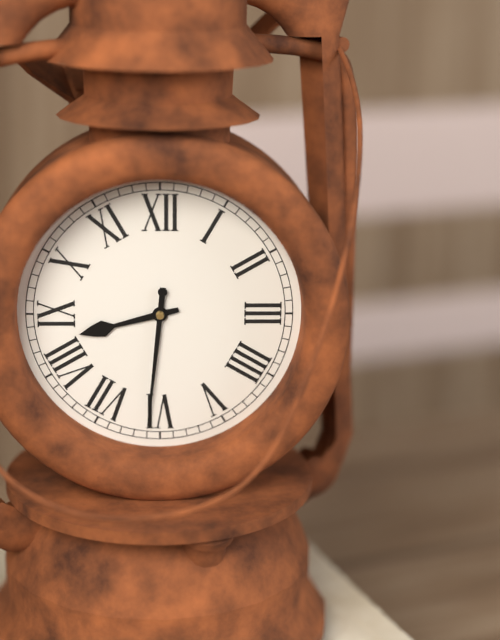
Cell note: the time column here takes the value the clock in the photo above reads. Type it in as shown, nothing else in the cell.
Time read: 8:31
